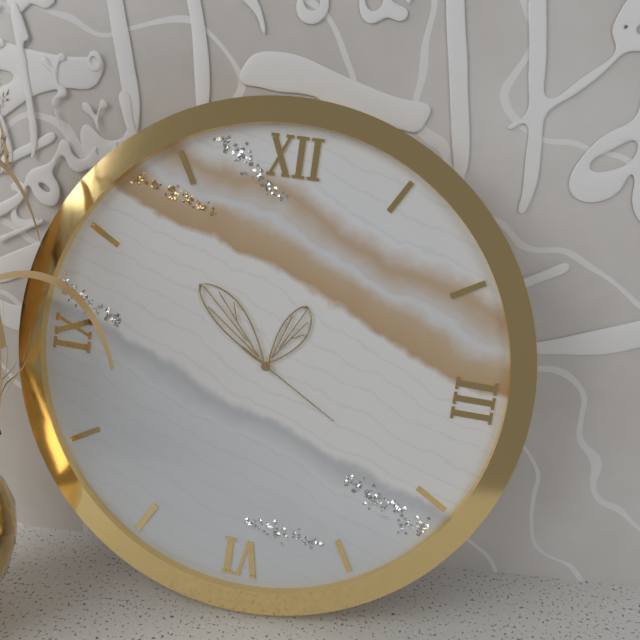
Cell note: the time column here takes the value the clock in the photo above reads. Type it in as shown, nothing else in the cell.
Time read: 12:52:20
